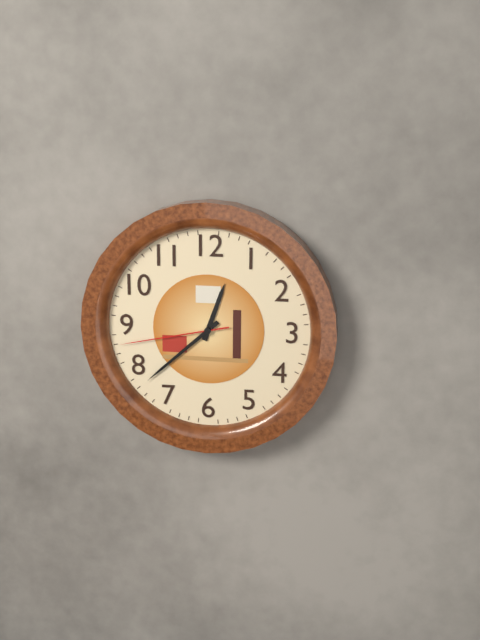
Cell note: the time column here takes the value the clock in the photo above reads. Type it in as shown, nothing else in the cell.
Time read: 12:38:43
